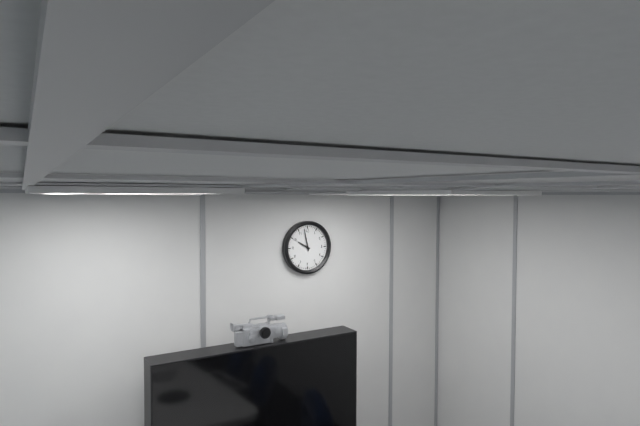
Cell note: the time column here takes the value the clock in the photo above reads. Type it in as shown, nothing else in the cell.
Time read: 9:58
